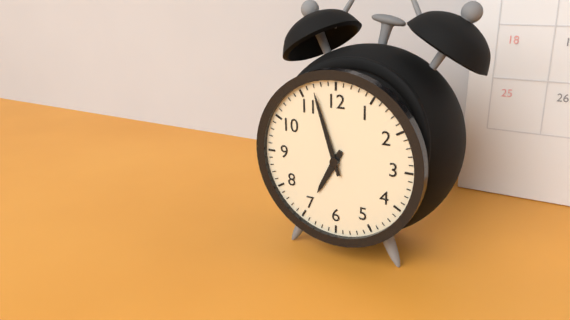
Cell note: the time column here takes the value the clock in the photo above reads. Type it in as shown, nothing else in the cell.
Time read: 6:57
